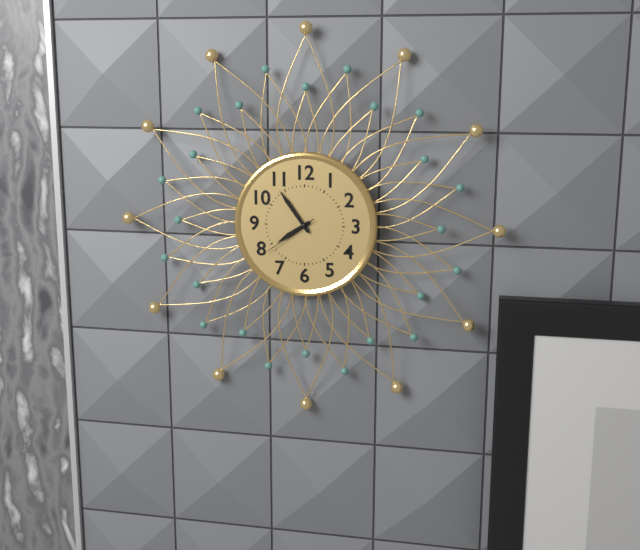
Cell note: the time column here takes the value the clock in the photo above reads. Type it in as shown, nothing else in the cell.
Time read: 7:54:39
